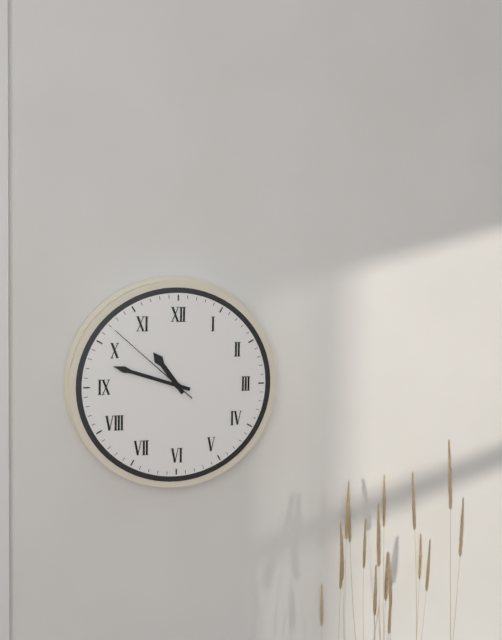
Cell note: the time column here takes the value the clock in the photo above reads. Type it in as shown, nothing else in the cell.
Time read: 10:48:52
